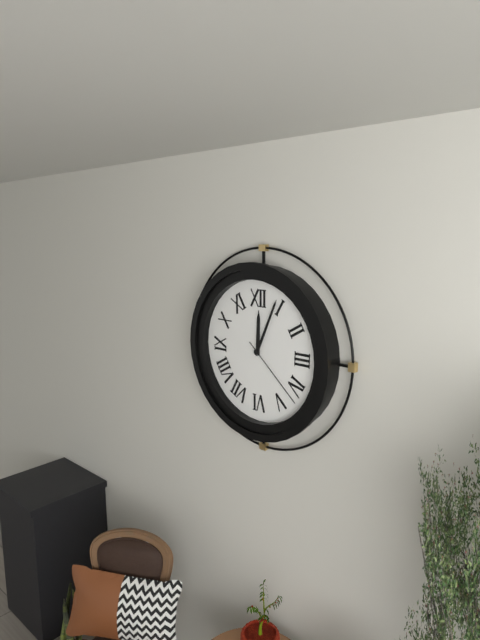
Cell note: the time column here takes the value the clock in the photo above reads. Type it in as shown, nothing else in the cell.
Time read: 12:04:22
